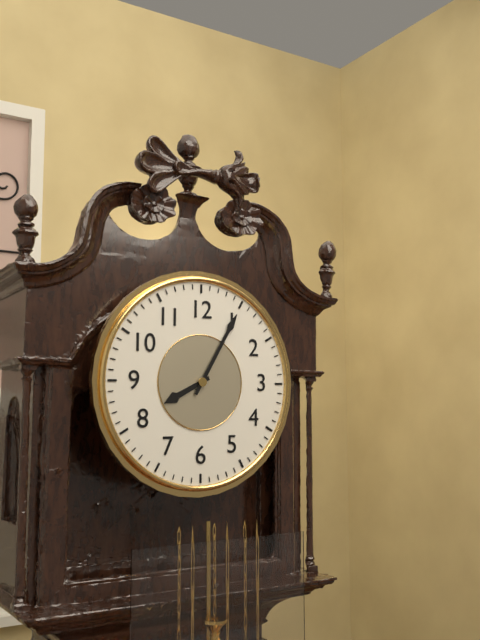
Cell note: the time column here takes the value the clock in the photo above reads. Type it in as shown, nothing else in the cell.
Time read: 8:05
